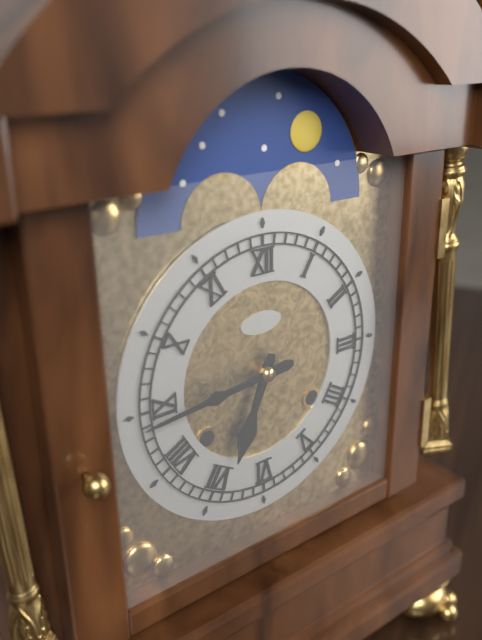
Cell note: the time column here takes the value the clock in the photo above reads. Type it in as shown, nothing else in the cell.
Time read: 6:44
